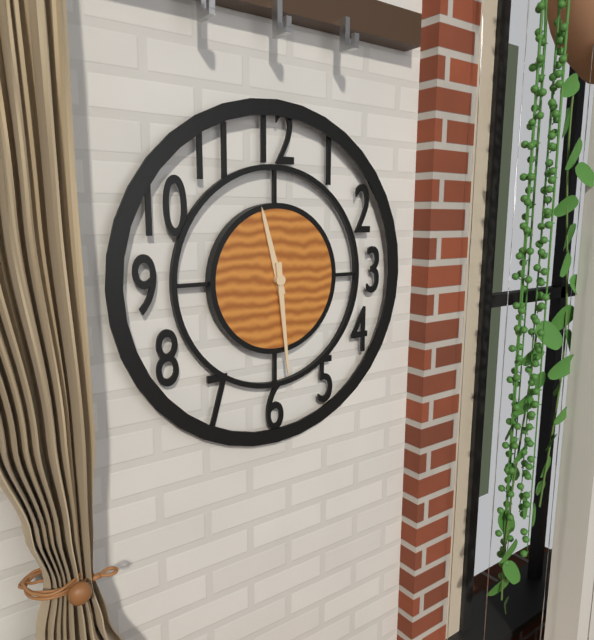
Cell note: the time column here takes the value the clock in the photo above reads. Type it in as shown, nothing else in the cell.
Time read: 11:29
